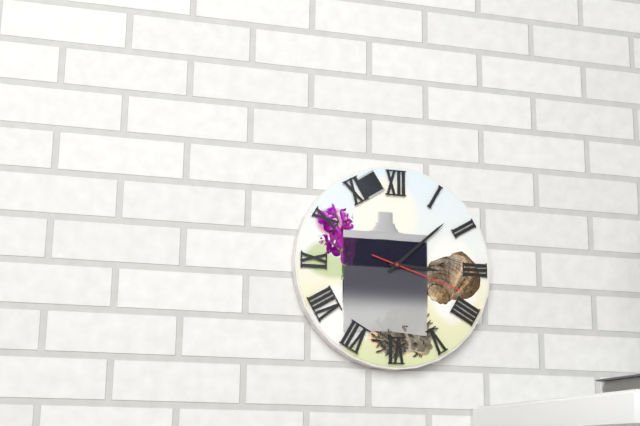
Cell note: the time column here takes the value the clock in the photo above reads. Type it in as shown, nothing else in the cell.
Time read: 3:08:18
